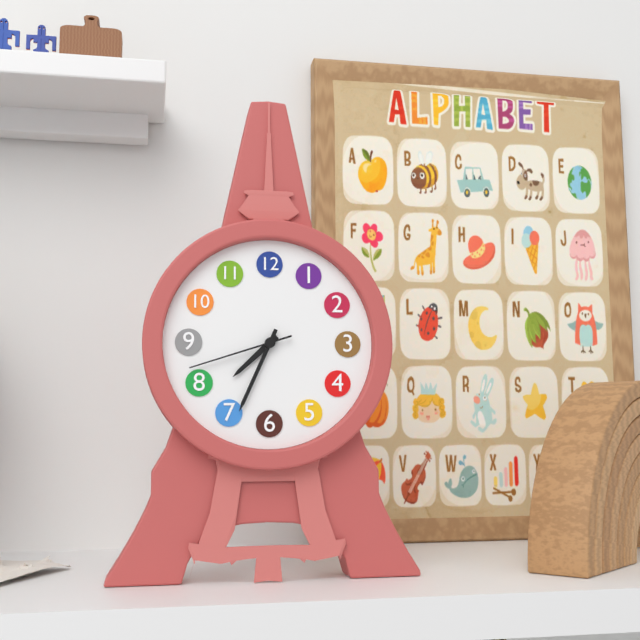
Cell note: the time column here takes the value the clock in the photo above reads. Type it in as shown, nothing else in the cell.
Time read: 7:34:42
